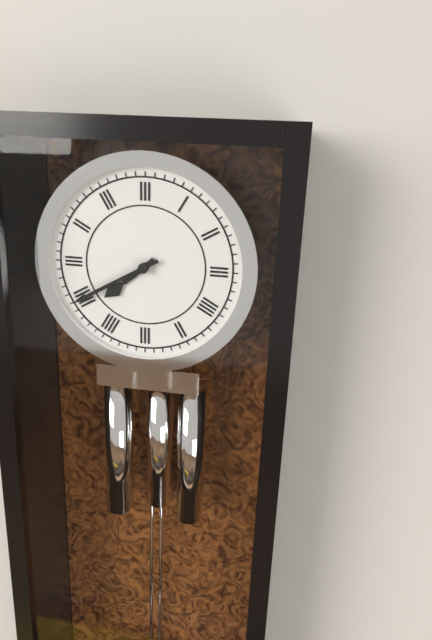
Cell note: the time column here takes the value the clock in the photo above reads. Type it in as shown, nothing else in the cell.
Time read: 7:40
